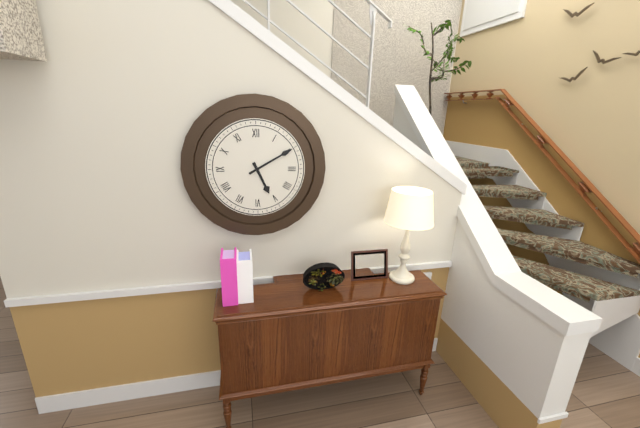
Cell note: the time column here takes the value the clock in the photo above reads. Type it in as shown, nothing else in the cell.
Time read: 5:10
